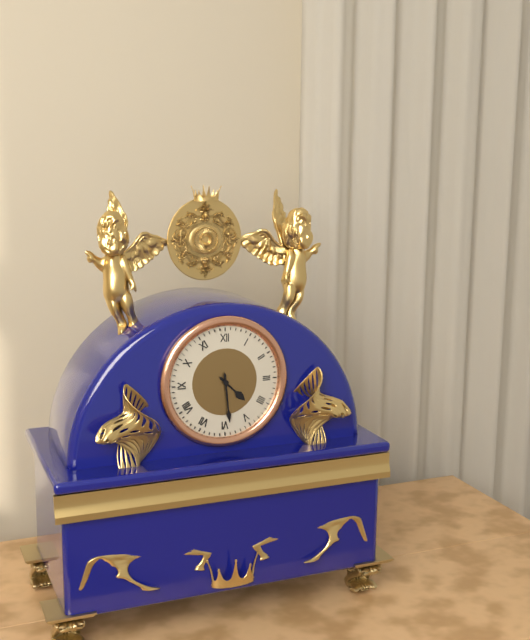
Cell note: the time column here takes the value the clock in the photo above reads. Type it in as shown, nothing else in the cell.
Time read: 4:29
